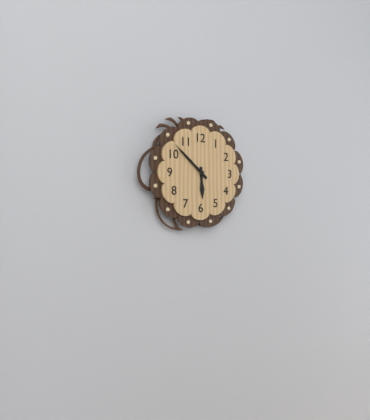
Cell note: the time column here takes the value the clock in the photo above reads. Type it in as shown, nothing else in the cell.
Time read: 5:52
